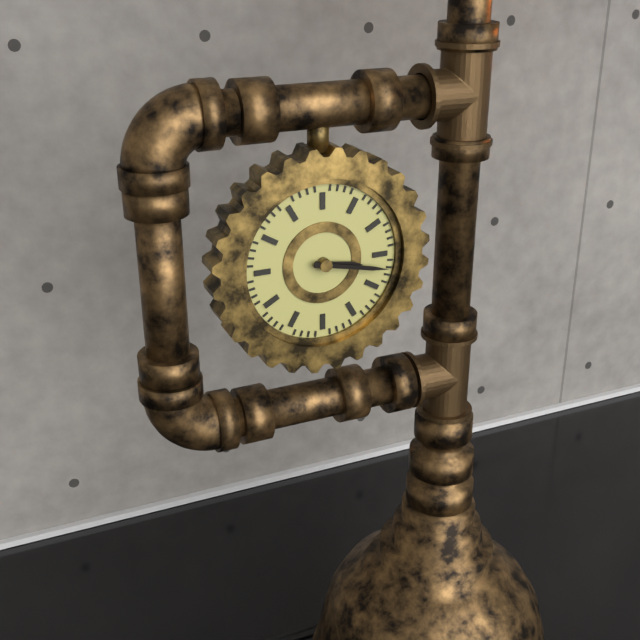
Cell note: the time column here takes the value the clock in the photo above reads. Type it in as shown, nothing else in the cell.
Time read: 3:17
